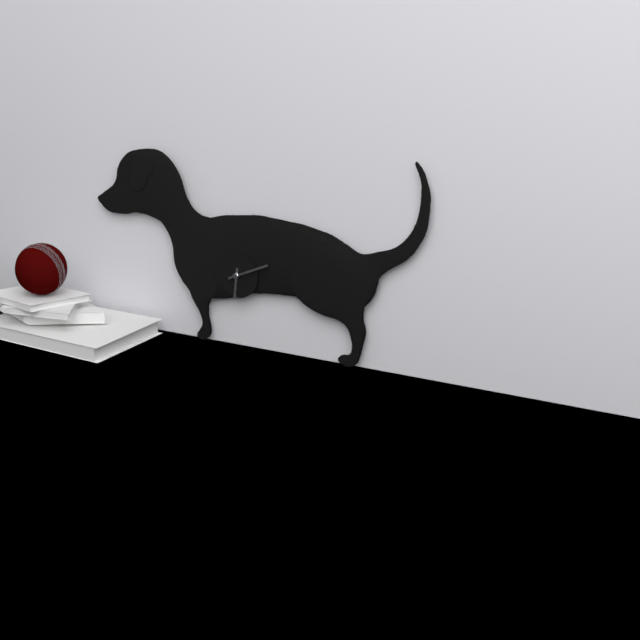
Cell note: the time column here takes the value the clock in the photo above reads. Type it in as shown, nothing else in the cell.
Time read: 6:11
